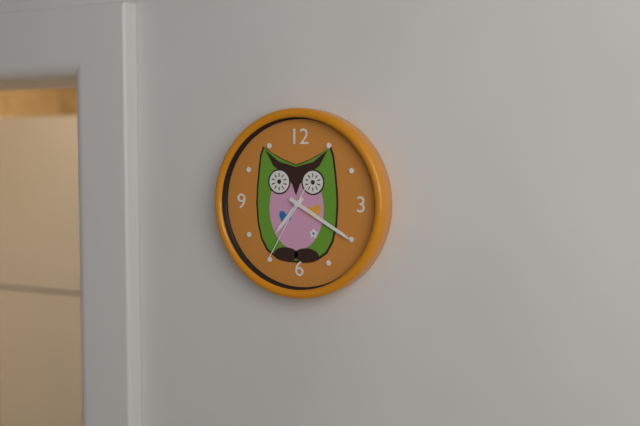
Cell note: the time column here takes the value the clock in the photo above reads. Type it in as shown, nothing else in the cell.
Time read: 7:20:35
